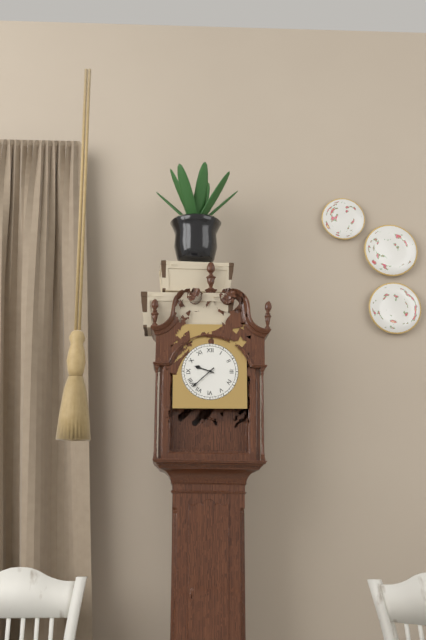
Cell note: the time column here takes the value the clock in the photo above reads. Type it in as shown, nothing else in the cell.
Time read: 9:38
